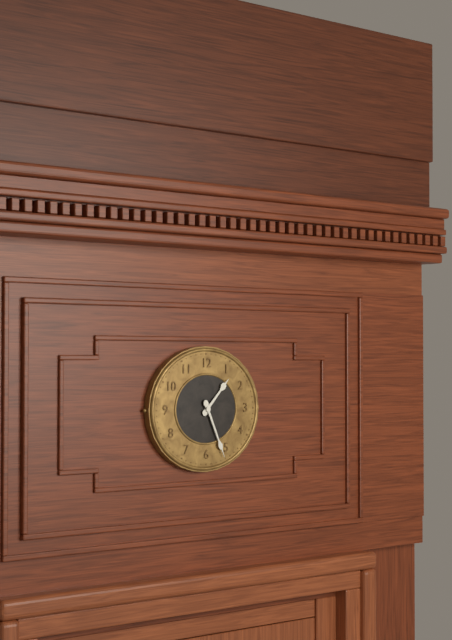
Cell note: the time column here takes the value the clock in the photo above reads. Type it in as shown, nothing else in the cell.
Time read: 1:26
